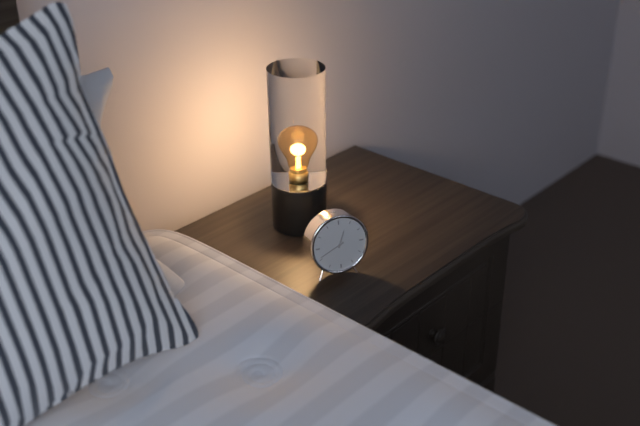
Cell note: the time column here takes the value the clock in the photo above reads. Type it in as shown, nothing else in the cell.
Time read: 12:41
